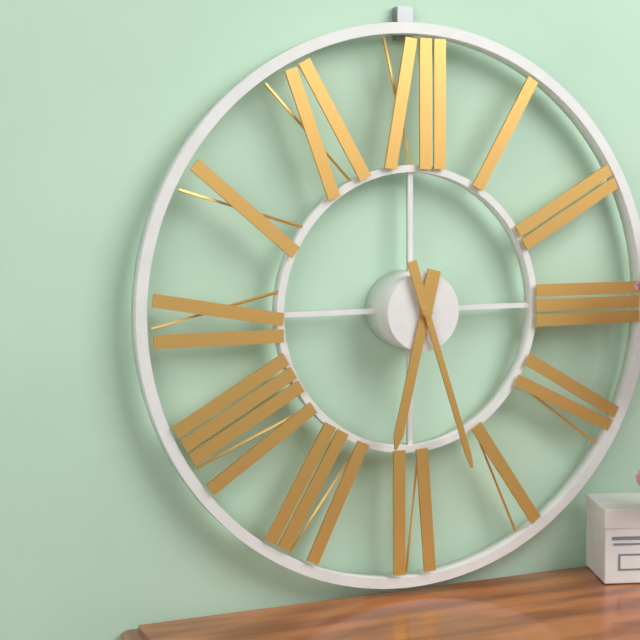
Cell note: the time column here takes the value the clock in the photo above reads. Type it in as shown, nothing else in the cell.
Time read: 6:27
